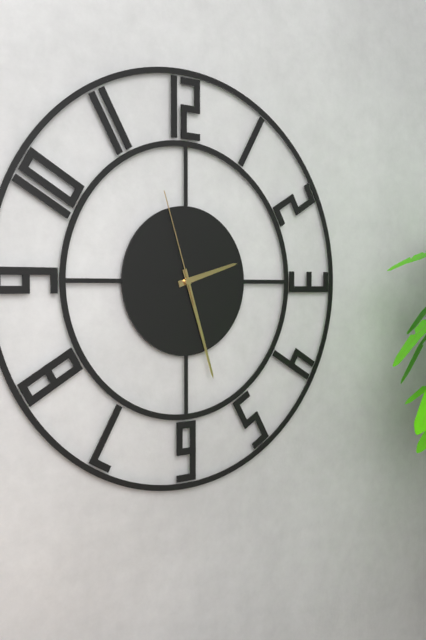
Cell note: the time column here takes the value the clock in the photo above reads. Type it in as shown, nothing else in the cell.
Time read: 2:27:57
